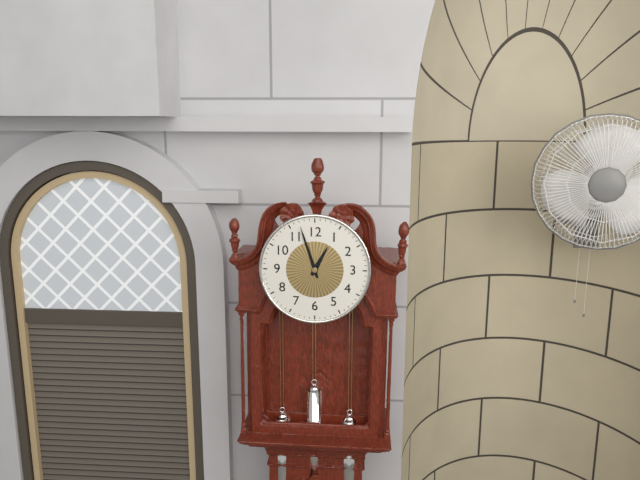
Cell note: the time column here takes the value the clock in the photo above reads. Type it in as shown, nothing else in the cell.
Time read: 12:57
